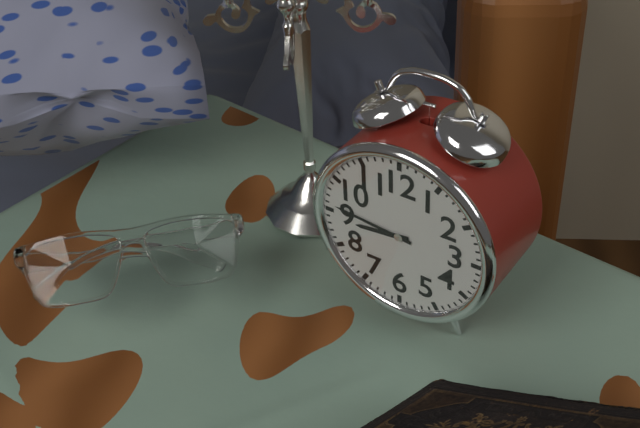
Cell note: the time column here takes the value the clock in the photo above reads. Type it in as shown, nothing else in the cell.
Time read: 8:46
